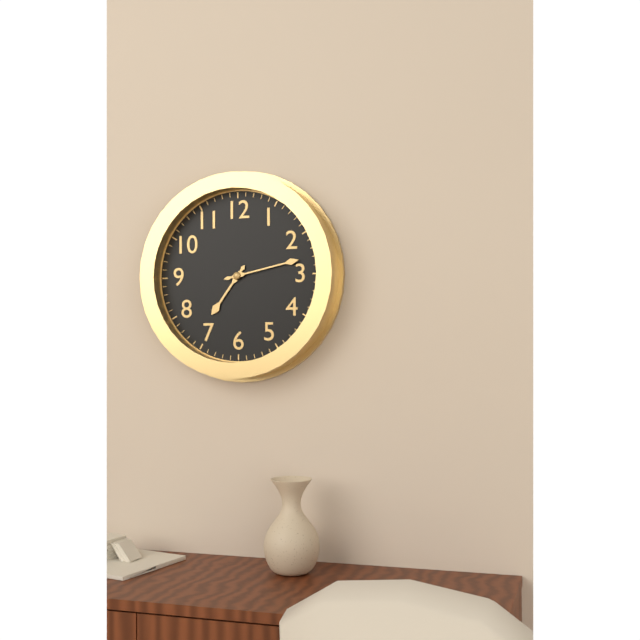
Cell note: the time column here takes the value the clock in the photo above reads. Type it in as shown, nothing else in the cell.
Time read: 7:13
